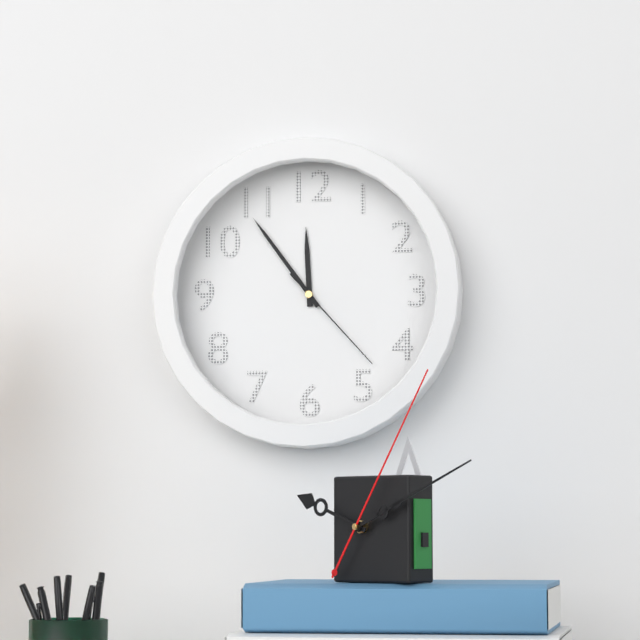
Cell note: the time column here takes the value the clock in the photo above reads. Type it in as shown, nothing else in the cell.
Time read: 11:54:23
